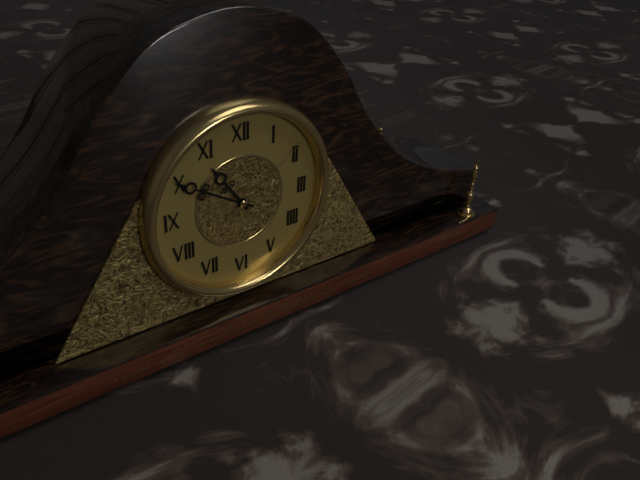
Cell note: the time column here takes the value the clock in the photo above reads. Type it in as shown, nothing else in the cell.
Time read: 10:50:09
